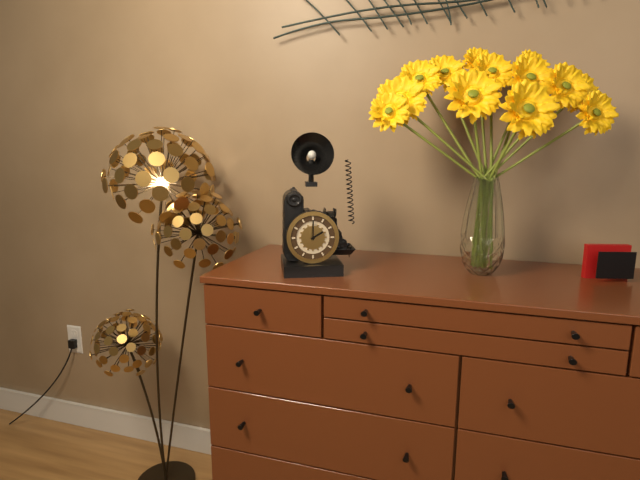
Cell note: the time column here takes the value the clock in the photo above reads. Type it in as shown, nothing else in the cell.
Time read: 2:00
